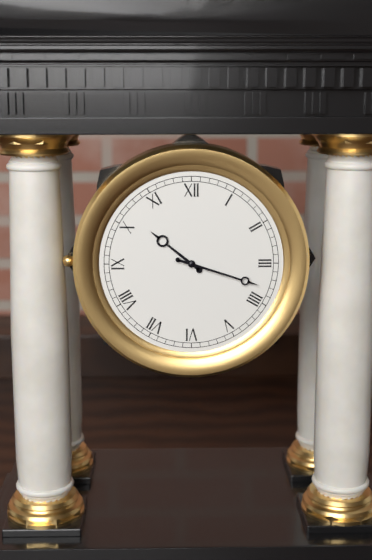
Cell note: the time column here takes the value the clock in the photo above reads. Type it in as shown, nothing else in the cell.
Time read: 10:18
